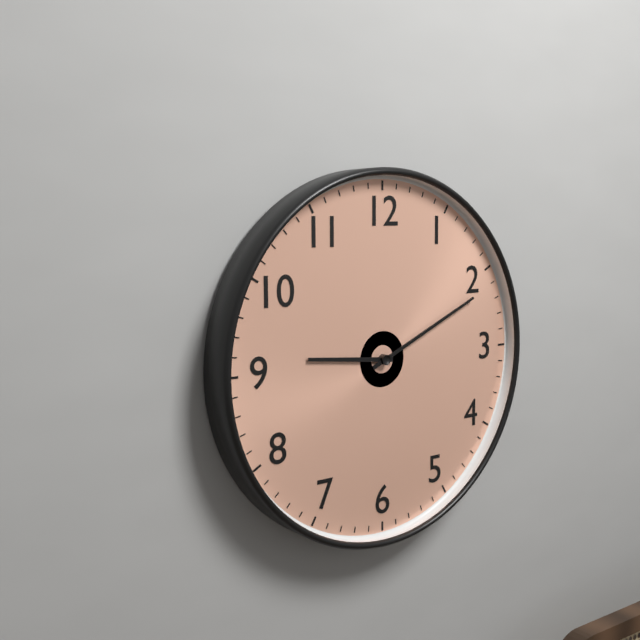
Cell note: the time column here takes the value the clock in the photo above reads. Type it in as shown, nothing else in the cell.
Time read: 9:11
